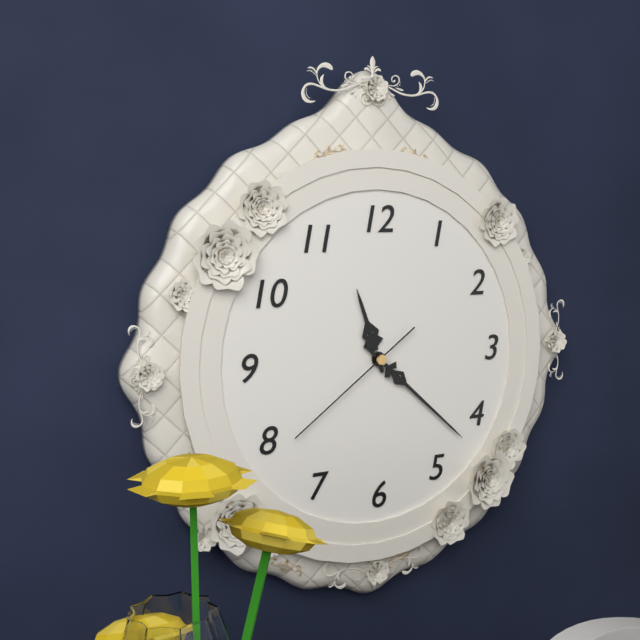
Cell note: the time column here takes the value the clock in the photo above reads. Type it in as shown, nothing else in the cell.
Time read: 11:22:39
